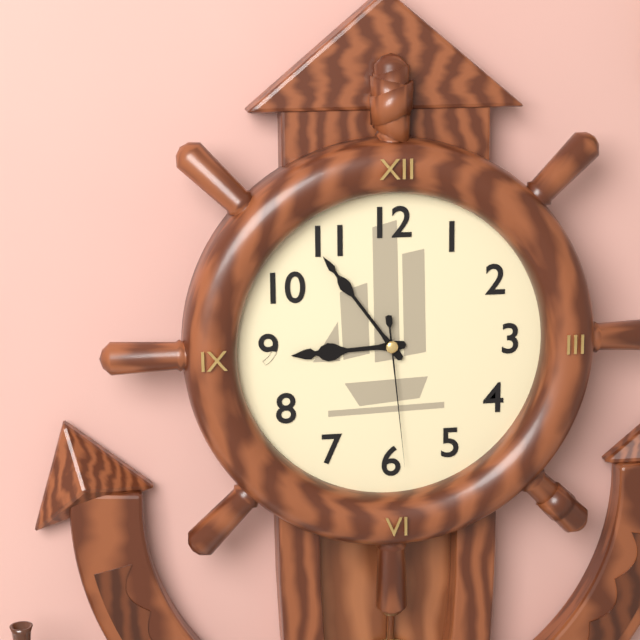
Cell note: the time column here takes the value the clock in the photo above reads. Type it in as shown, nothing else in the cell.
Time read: 8:54:29
